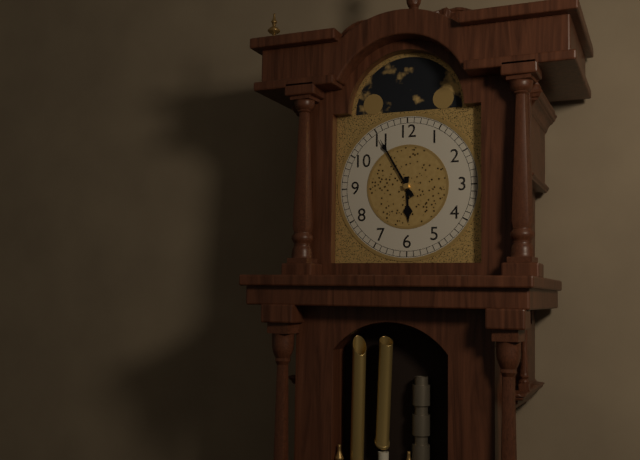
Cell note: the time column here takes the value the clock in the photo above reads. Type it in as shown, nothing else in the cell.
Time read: 5:55
